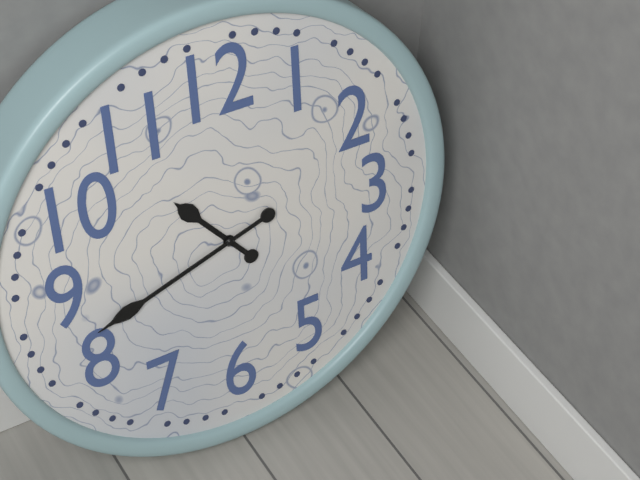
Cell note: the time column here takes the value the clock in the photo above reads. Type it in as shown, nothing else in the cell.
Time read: 10:42
